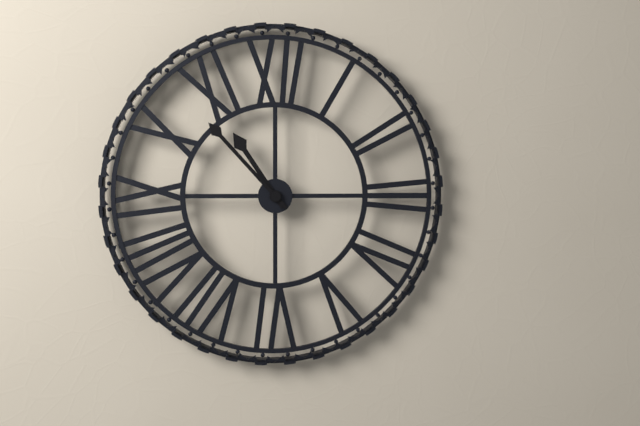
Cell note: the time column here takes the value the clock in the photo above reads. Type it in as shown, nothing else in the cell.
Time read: 10:53
